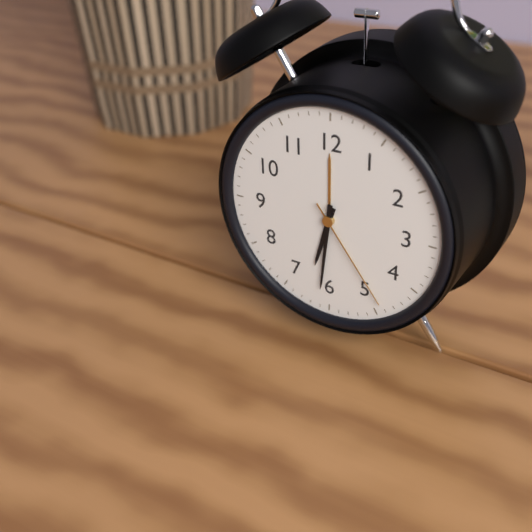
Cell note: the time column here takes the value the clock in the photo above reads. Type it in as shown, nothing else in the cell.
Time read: 6:31:24
